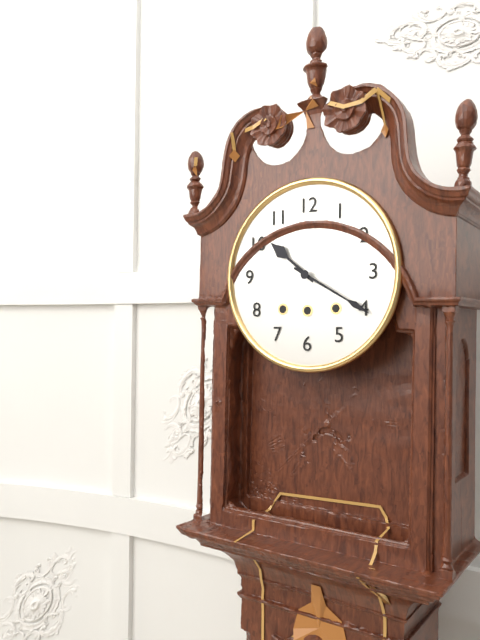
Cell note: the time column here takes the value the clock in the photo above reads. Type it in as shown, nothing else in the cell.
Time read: 10:20
